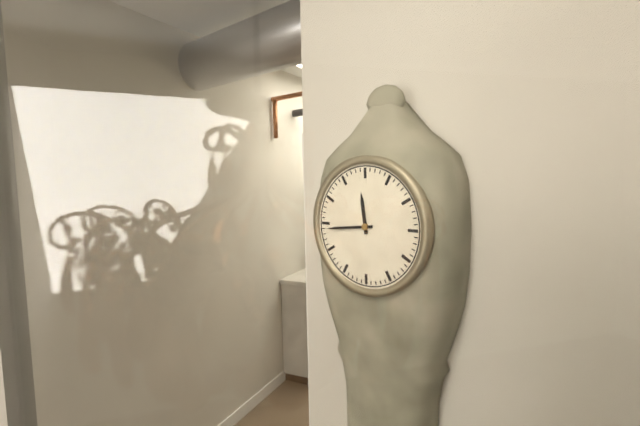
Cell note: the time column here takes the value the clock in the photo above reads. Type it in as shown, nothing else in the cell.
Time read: 11:44
